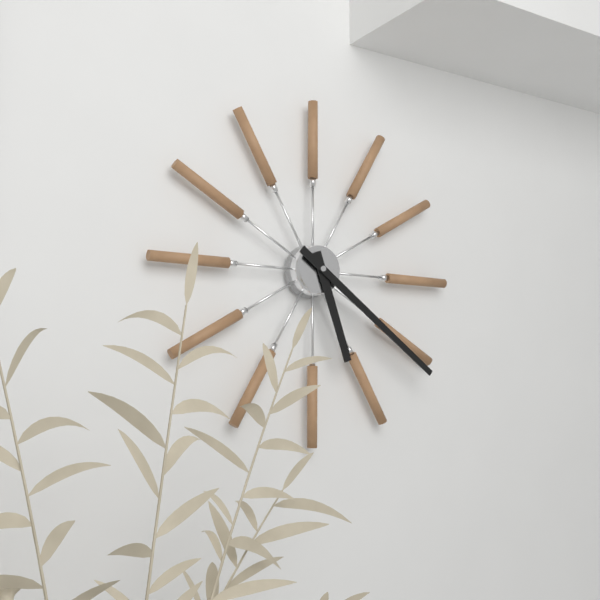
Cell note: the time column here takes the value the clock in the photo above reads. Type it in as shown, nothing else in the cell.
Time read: 5:21
